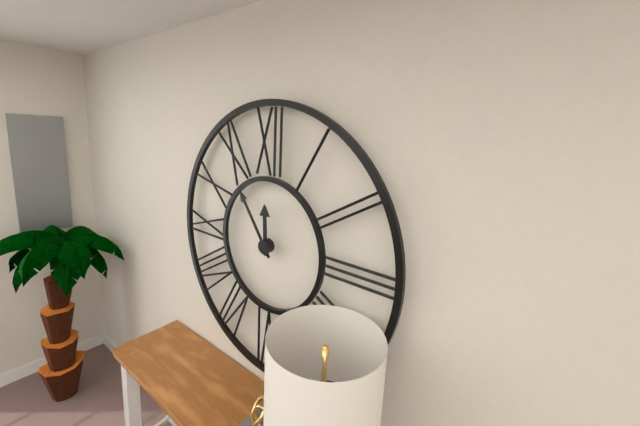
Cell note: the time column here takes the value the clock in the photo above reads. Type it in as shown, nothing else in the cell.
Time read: 11:54
